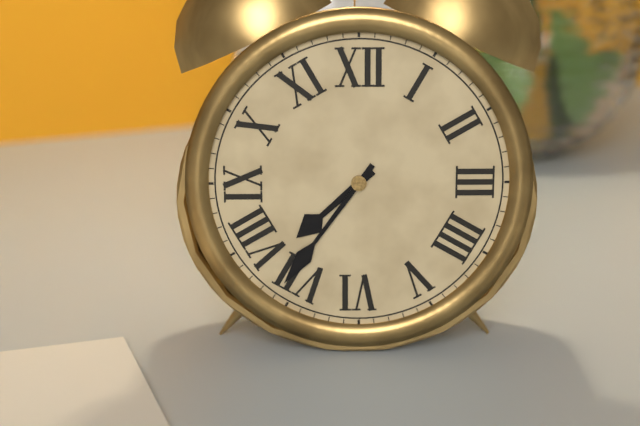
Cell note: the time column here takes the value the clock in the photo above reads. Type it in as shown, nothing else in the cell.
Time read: 7:36
